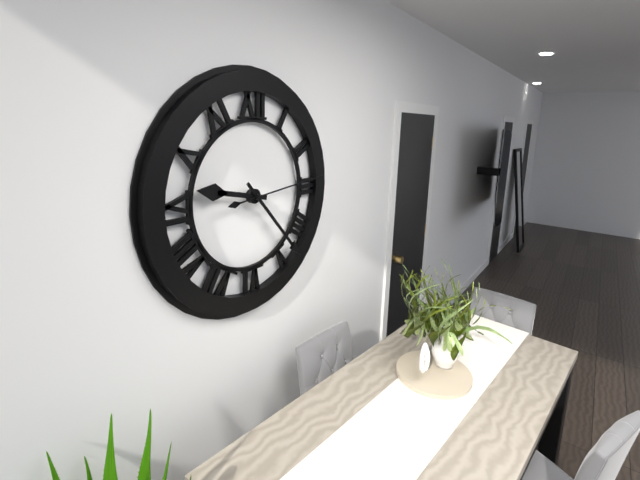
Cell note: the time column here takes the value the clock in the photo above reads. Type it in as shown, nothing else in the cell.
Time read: 9:23:14
